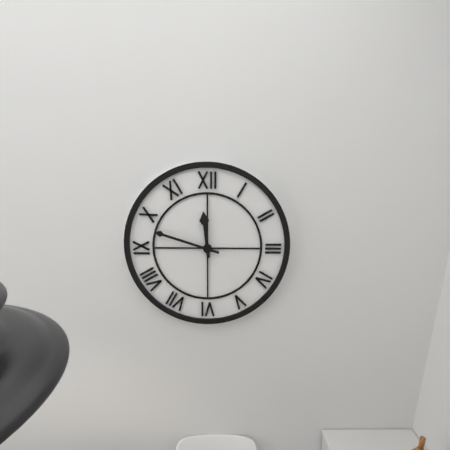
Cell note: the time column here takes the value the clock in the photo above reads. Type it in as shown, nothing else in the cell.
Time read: 11:48
